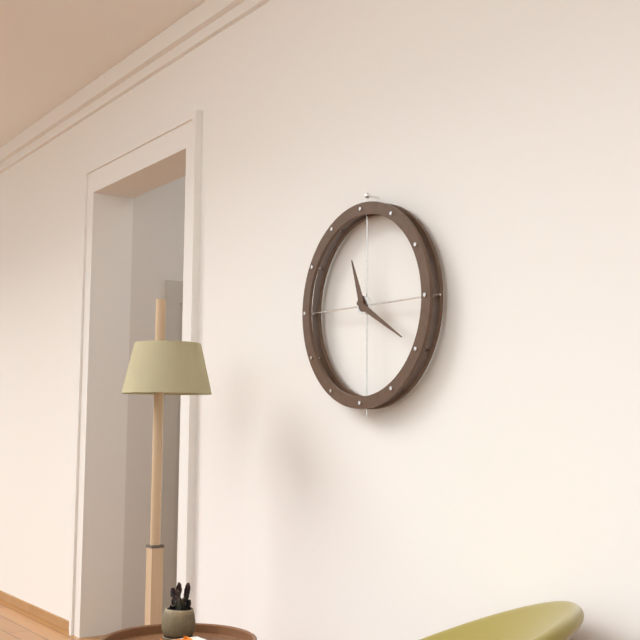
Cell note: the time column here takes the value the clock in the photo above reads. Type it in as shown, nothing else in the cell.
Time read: 11:20
